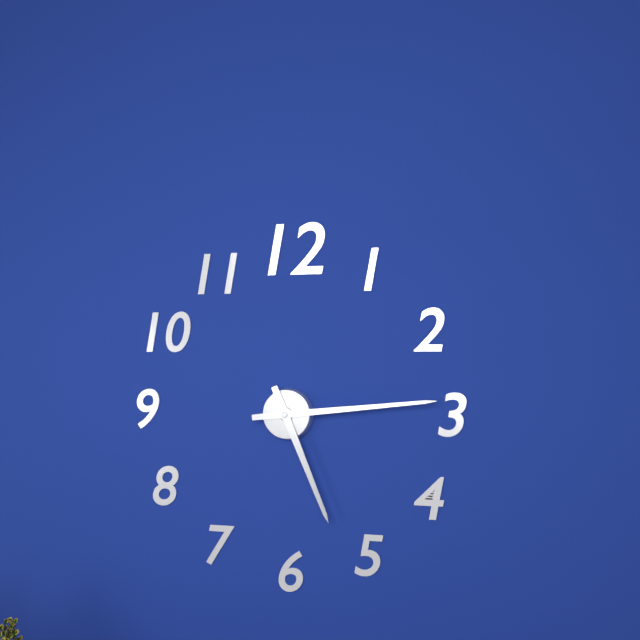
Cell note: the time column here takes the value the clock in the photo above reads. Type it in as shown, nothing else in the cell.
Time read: 5:14
